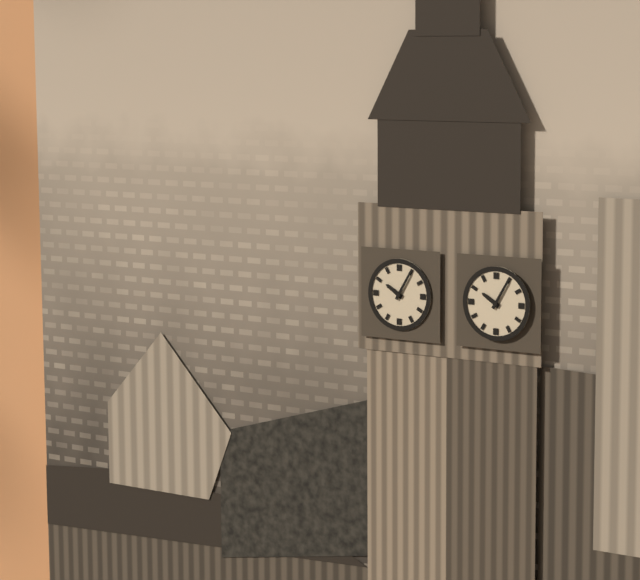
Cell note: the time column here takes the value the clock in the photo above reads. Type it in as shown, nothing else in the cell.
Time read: 10:05
